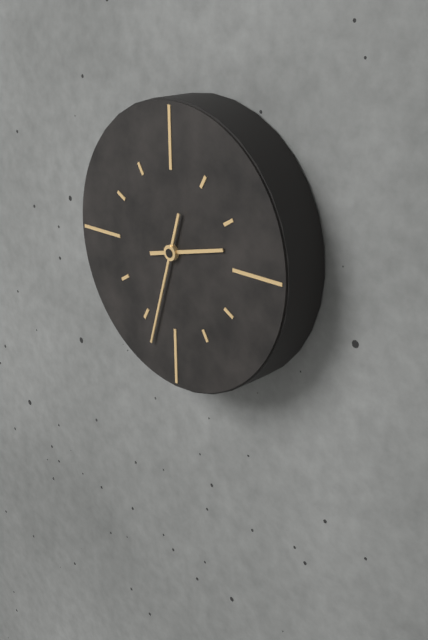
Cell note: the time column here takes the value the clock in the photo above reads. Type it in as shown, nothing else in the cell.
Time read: 2:33
